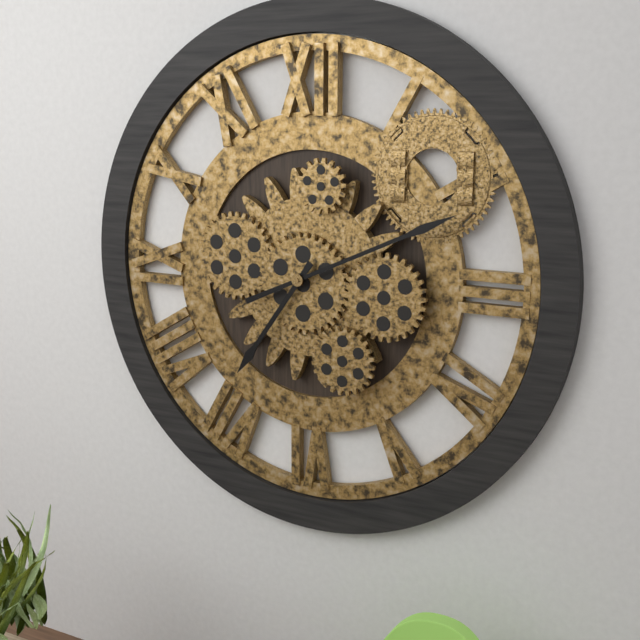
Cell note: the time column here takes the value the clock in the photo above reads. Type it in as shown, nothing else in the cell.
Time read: 7:11
